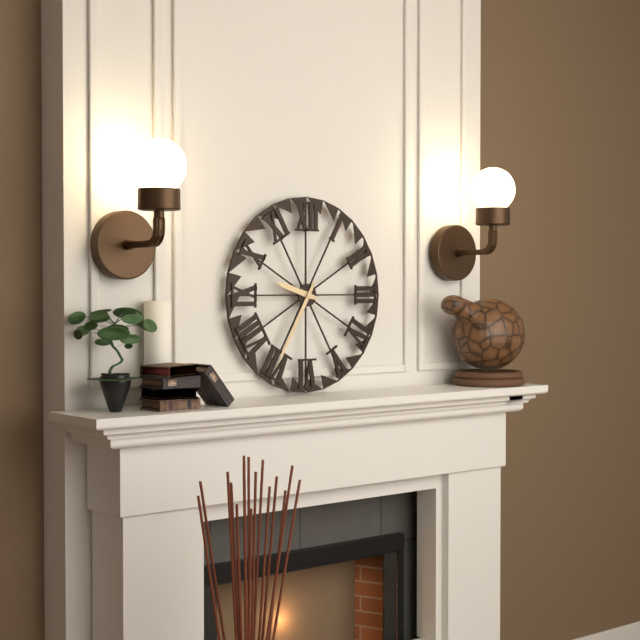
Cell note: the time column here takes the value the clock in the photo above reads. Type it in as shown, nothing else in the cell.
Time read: 9:35
